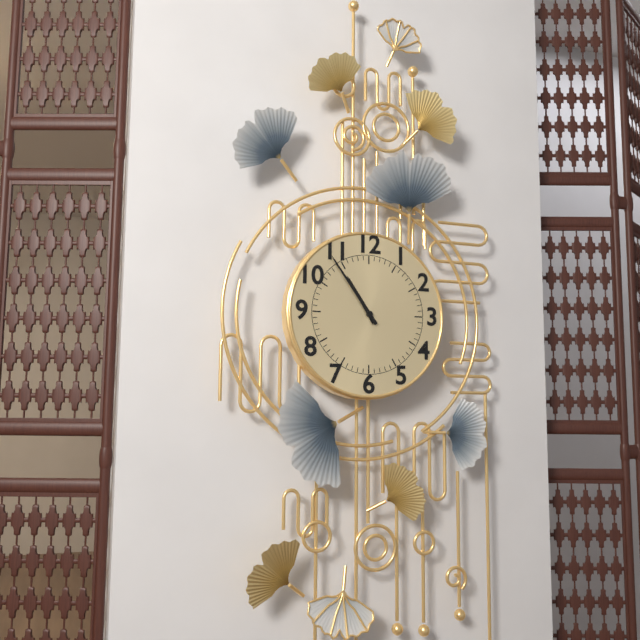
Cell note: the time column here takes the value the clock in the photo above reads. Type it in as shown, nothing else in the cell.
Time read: 10:54
